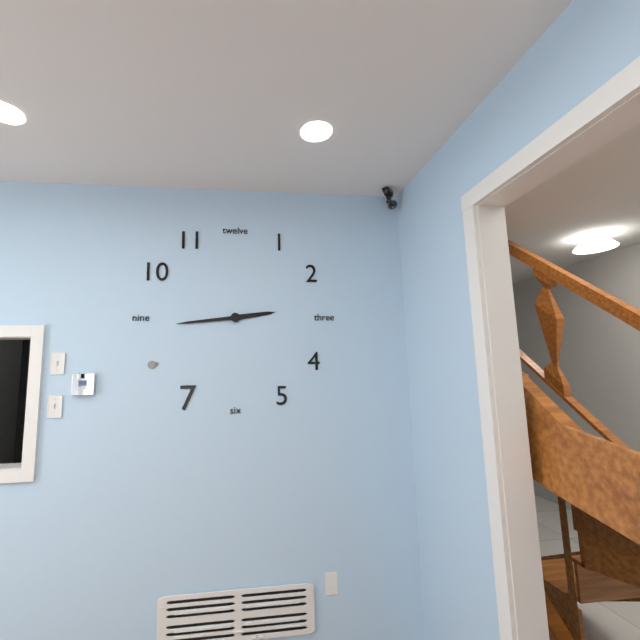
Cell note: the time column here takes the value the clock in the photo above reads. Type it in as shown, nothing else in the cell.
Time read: 2:44
